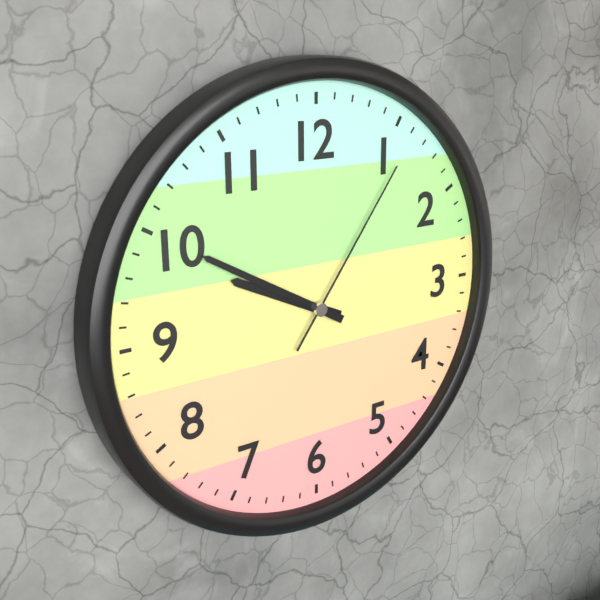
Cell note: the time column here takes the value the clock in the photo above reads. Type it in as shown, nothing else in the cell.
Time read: 9:50:06
